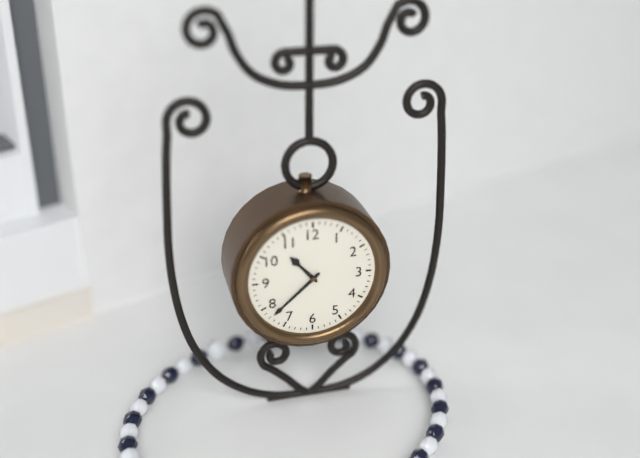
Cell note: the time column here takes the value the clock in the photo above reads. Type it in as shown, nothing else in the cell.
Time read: 10:38
